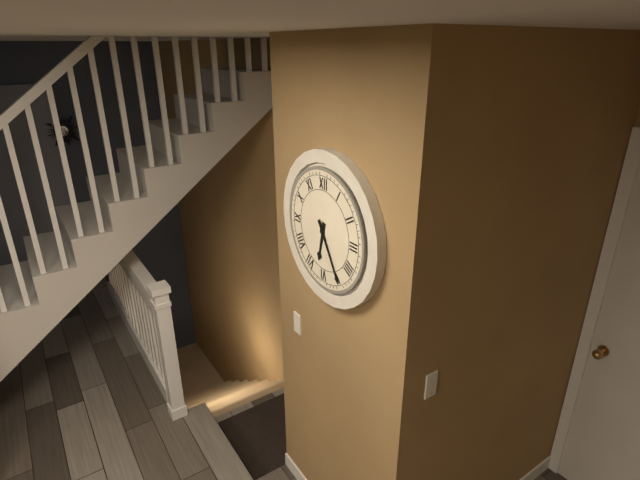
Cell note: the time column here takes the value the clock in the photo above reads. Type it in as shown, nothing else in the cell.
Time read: 6:25
